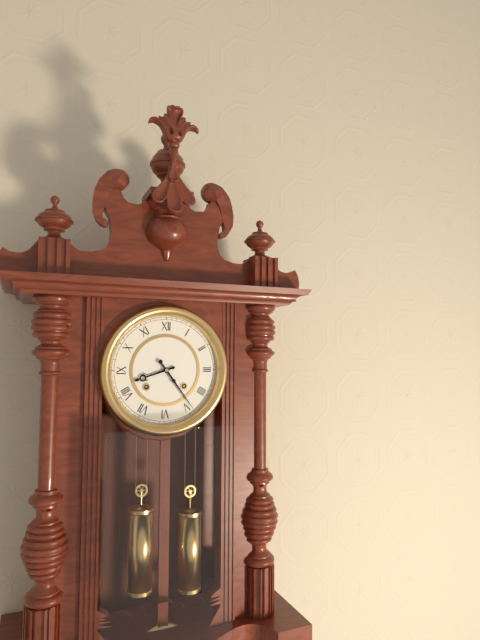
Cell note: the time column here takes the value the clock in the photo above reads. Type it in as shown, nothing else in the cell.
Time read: 8:24
